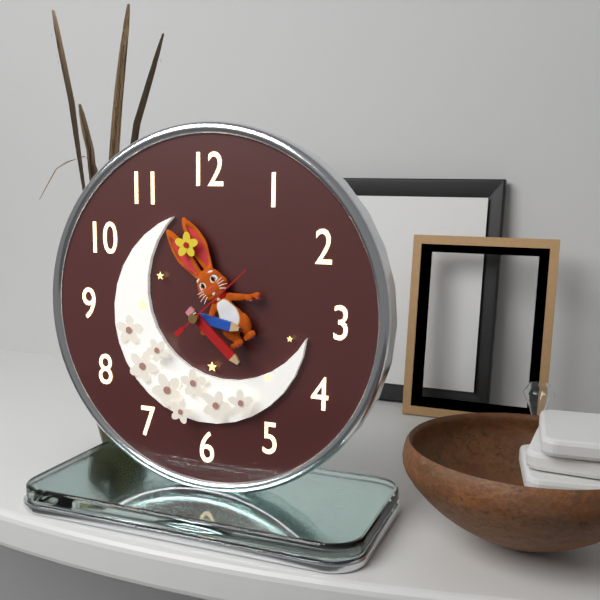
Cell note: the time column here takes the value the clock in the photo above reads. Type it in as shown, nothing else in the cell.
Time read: 3:22:08
